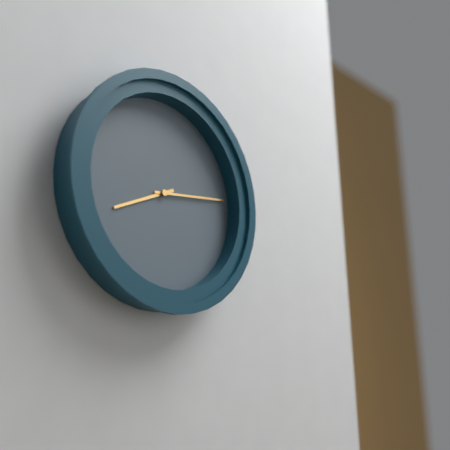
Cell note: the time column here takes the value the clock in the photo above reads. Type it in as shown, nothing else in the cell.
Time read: 8:14
